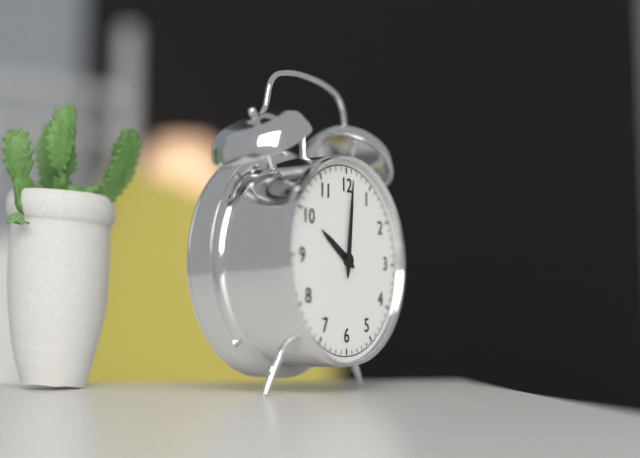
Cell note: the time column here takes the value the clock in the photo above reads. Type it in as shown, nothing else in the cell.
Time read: 10:01
